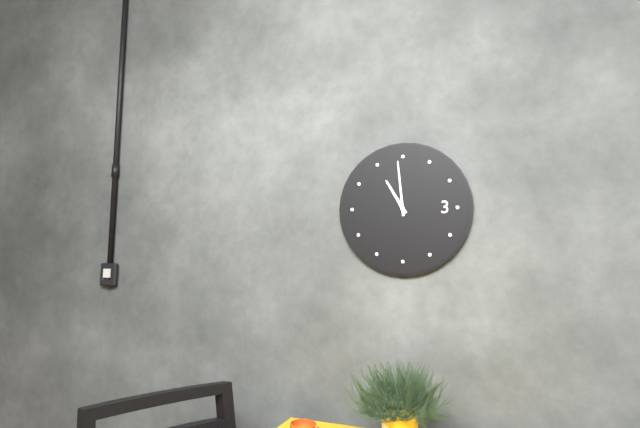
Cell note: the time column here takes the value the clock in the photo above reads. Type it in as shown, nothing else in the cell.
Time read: 10:59
